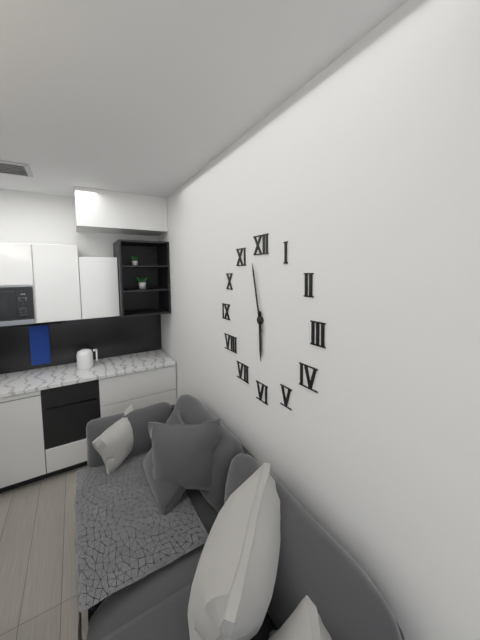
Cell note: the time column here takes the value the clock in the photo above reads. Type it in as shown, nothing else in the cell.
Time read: 5:58
